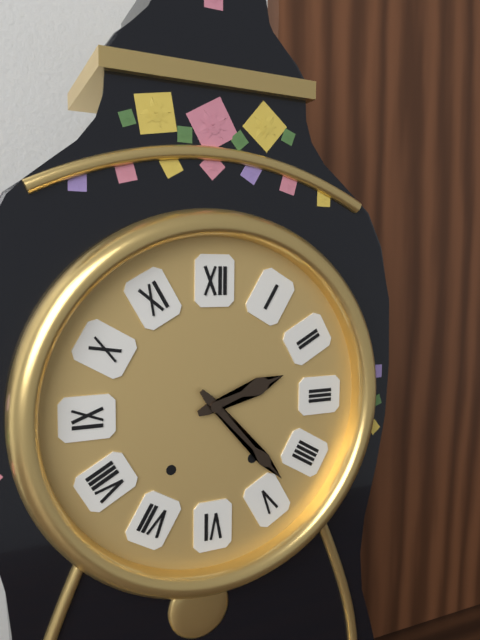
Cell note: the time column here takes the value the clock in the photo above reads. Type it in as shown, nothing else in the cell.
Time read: 2:23
